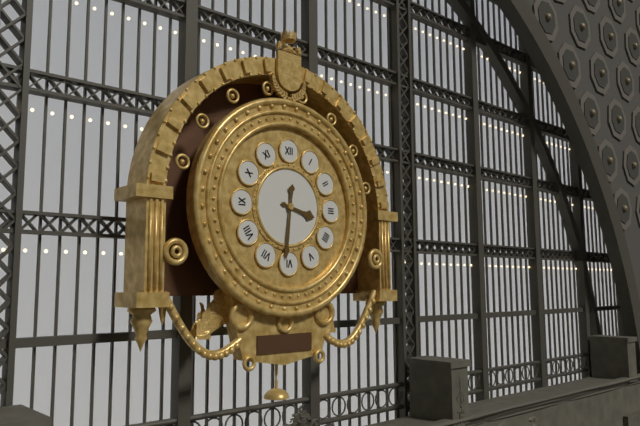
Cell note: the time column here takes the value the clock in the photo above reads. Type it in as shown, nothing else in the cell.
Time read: 3:31
